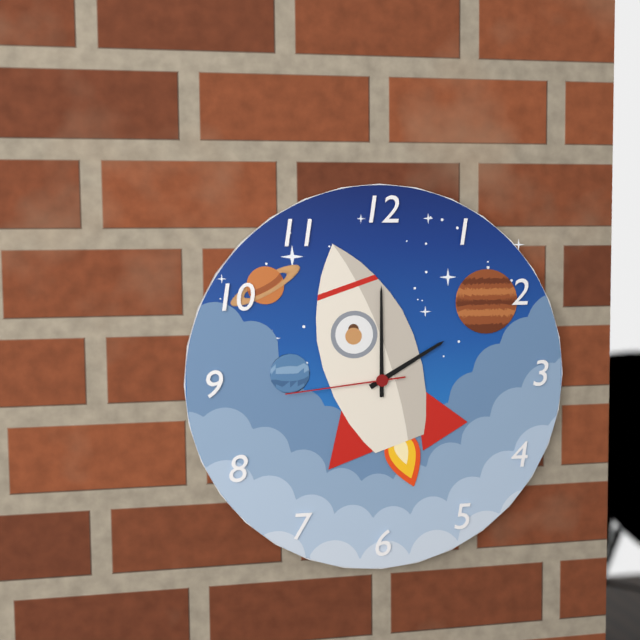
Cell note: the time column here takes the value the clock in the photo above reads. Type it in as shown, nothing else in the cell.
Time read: 2:00:44
